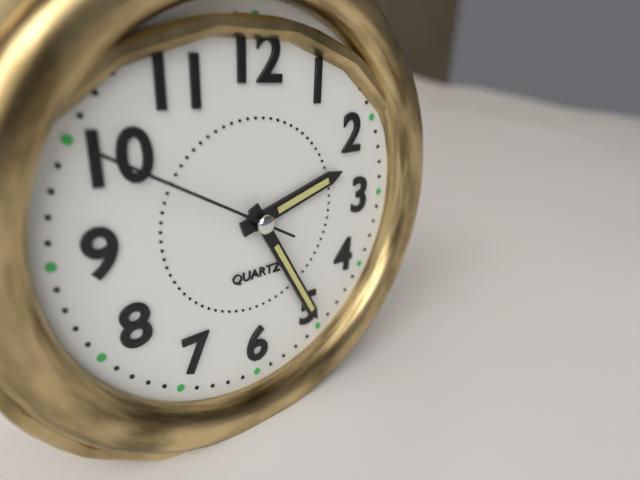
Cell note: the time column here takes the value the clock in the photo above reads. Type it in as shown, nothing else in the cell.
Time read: 2:25:50
